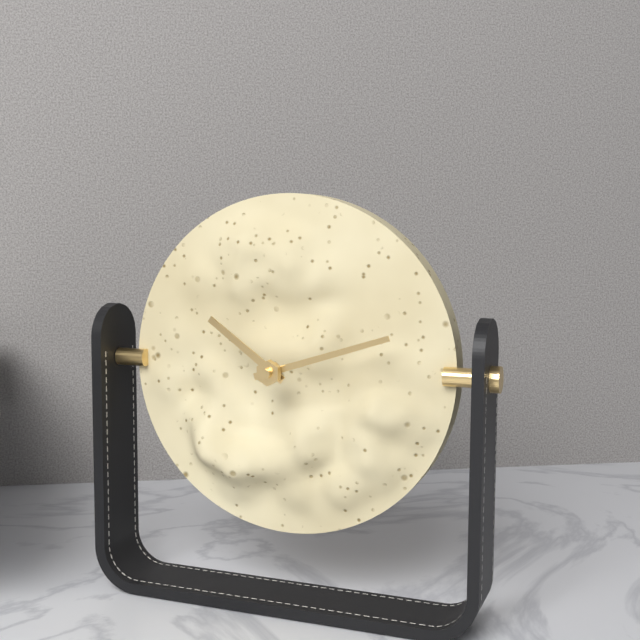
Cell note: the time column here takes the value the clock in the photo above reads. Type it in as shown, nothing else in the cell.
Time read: 10:12
